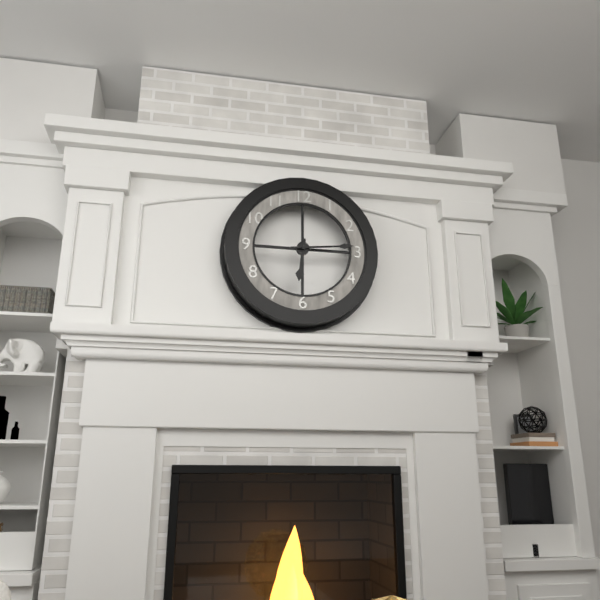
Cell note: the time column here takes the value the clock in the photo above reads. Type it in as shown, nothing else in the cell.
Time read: 6:14
